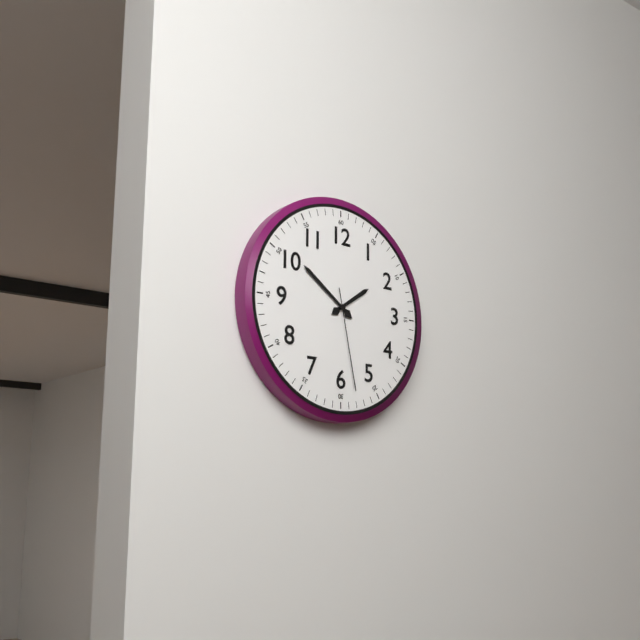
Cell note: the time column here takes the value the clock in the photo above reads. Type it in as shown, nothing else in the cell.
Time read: 1:51:28
